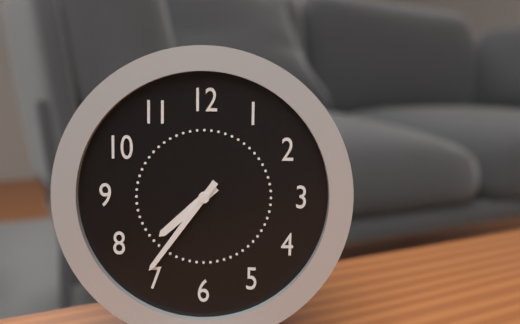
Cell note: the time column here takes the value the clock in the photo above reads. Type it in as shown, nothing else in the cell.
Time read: 7:36
